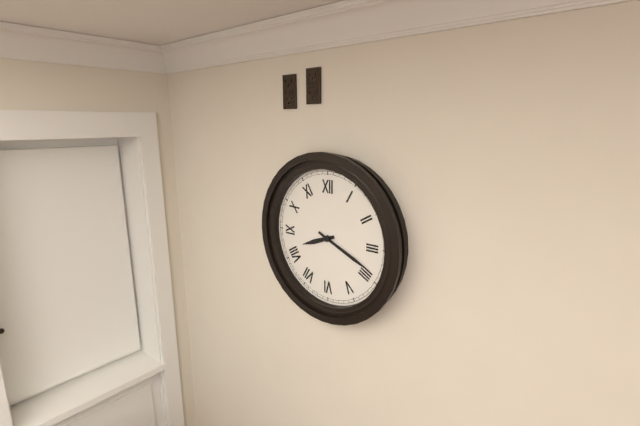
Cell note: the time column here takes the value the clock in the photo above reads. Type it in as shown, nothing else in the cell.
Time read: 8:19
